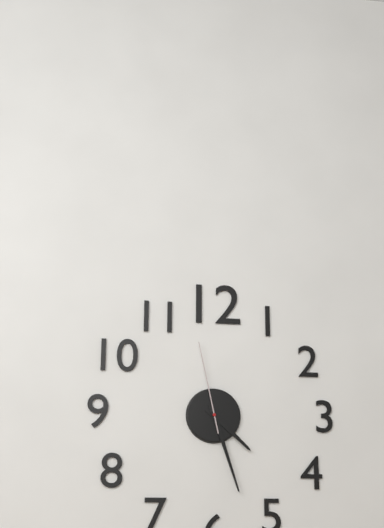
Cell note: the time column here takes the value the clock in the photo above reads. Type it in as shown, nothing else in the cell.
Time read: 4:27:58
